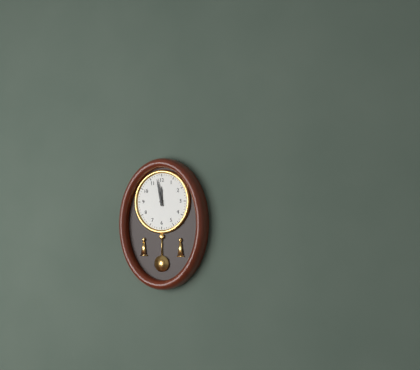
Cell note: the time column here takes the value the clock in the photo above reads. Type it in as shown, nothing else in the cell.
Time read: 11:58
